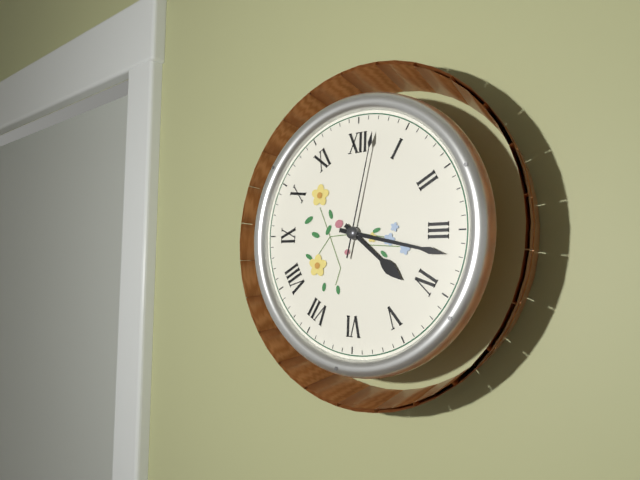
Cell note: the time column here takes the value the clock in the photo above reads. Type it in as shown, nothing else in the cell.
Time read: 4:17:02
